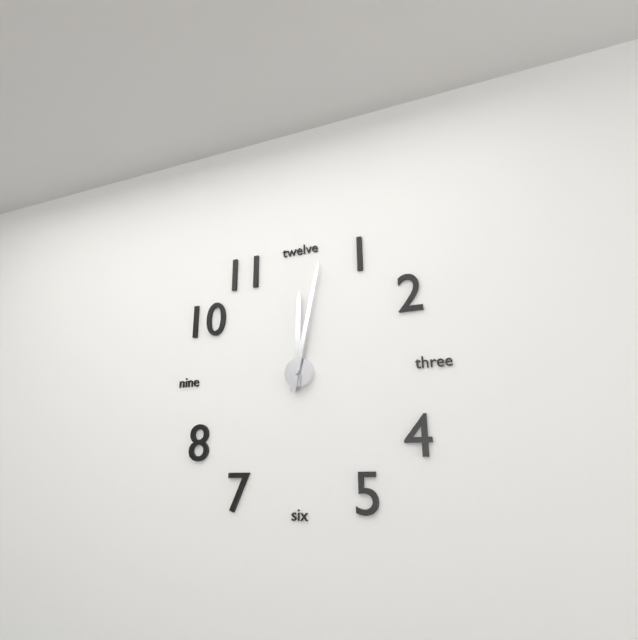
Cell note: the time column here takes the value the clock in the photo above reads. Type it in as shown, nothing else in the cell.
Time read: 12:02
